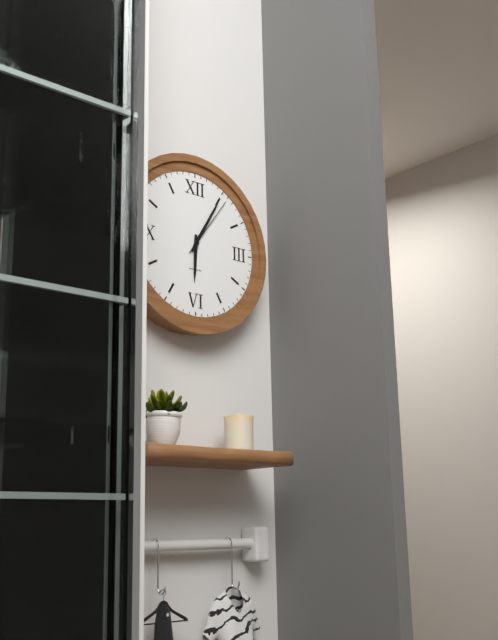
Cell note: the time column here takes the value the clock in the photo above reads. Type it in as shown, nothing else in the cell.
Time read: 6:05:06
